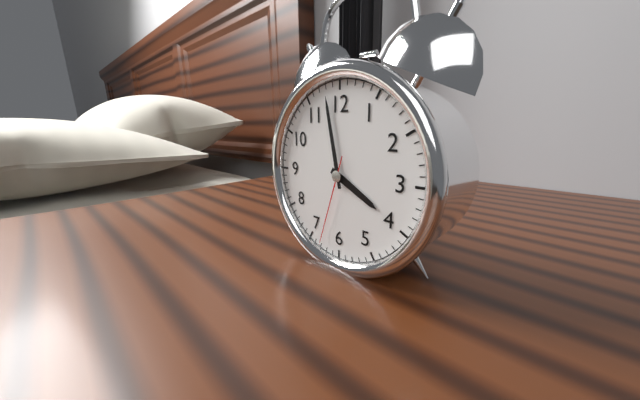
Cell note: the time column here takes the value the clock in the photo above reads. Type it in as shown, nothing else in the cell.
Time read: 3:58:33
